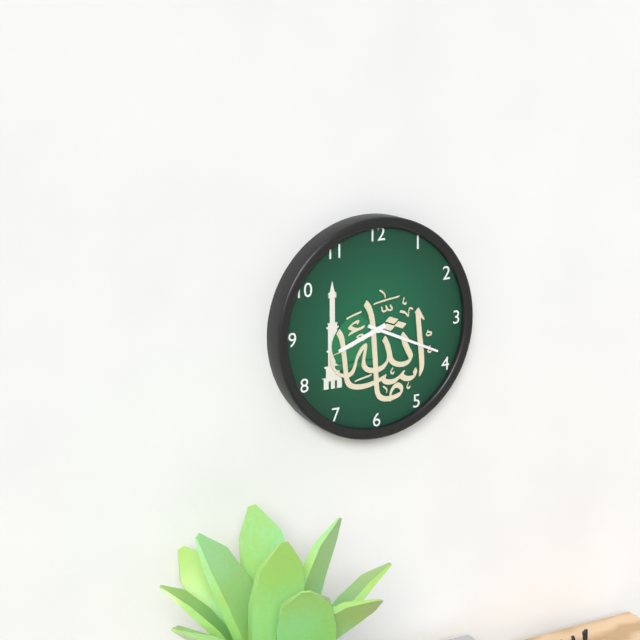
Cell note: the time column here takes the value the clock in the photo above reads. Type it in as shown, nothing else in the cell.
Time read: 8:19
